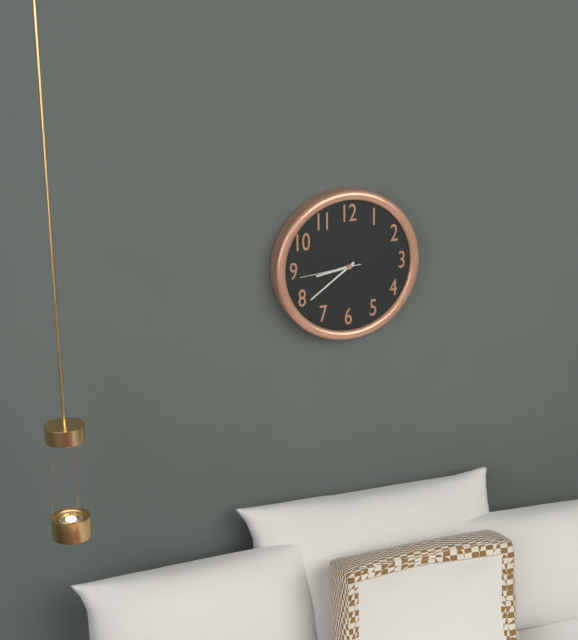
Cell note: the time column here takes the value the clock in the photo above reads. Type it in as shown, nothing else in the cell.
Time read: 8:39:44
